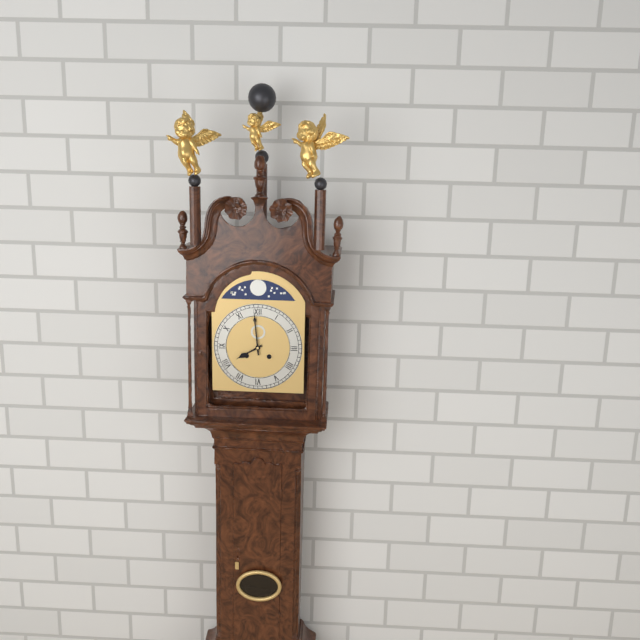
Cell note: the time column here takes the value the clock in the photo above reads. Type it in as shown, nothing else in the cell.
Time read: 7:59
